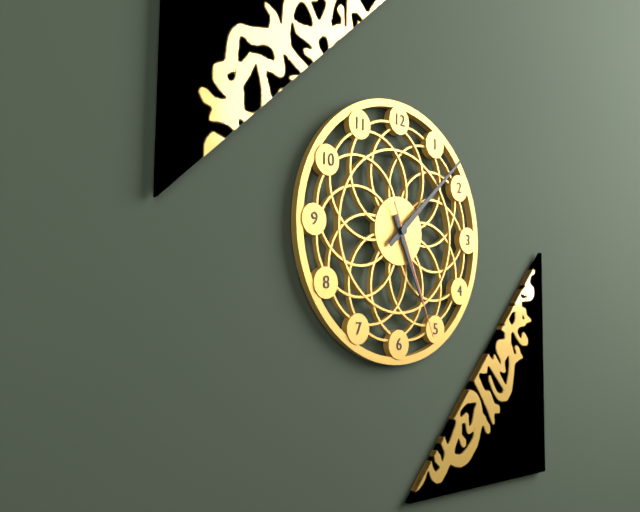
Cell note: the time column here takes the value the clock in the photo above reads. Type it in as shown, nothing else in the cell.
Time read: 5:08:26
